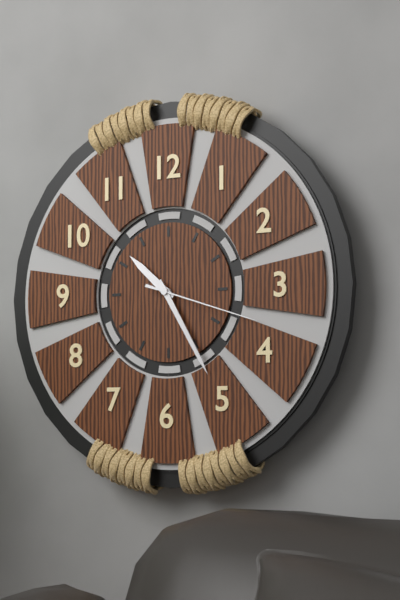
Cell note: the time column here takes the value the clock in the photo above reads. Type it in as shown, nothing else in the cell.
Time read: 10:25:18
